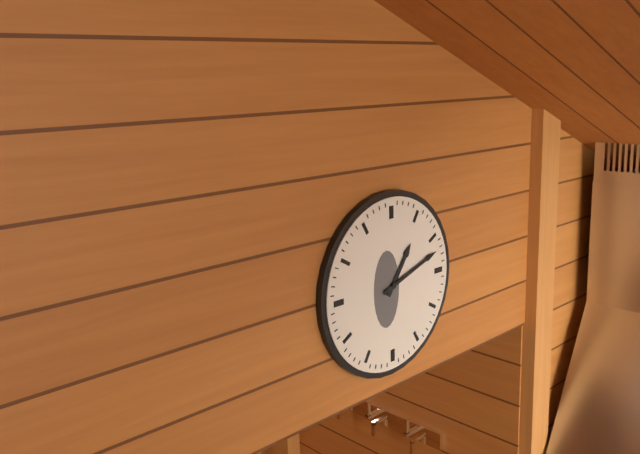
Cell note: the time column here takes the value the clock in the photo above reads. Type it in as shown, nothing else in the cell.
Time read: 1:12
